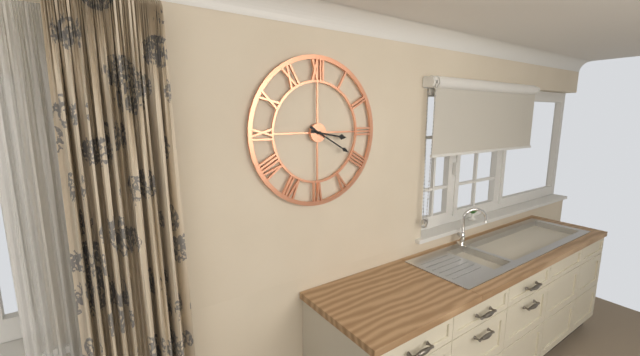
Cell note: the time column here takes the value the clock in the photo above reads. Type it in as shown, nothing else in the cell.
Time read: 3:20
